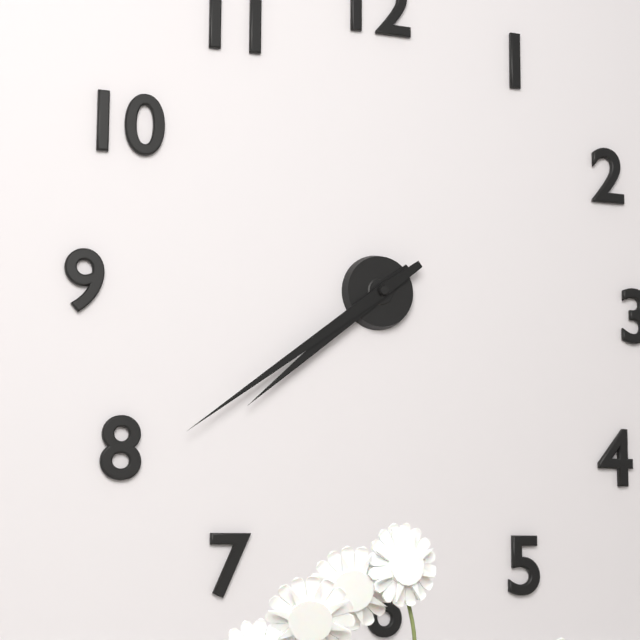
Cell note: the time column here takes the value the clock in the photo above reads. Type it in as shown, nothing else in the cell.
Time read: 7:39
